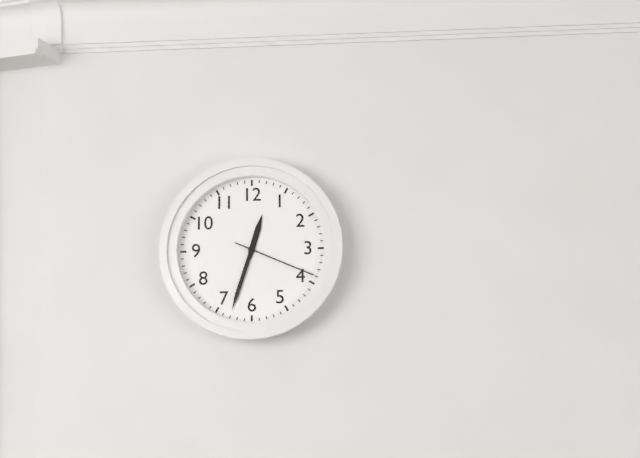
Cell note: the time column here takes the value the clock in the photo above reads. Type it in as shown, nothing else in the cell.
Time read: 12:33:19
